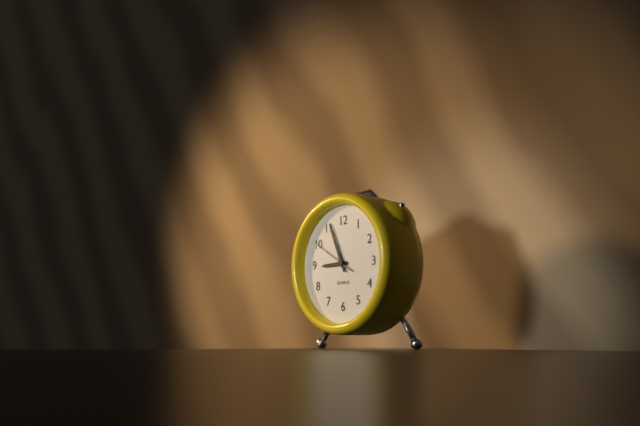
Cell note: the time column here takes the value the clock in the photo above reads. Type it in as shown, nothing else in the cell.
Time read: 8:56:50
